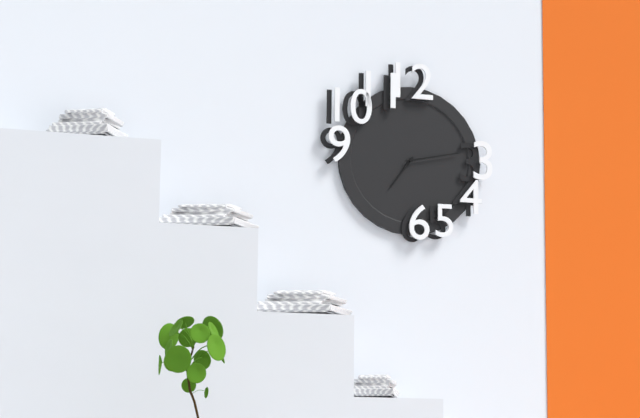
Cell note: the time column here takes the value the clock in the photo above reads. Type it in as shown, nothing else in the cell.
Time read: 7:13
